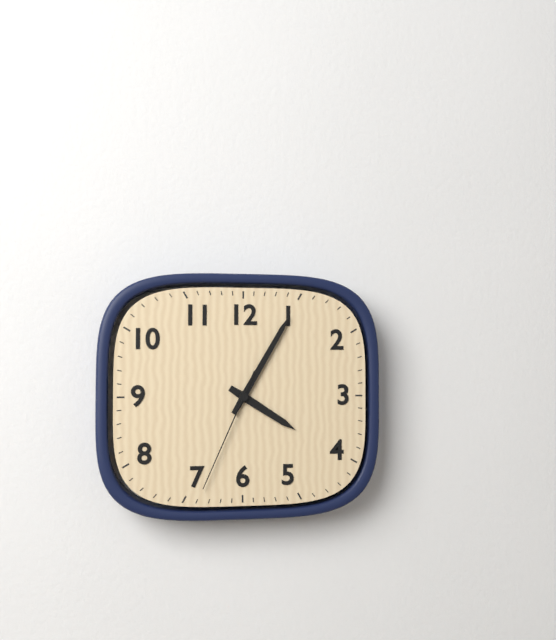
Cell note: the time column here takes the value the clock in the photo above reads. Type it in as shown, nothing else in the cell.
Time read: 4:05:34
